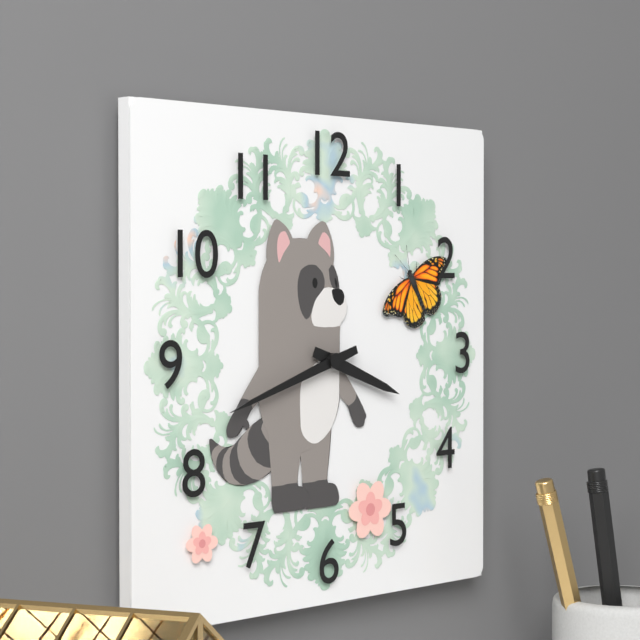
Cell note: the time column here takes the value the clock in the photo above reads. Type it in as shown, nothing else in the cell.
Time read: 3:42
